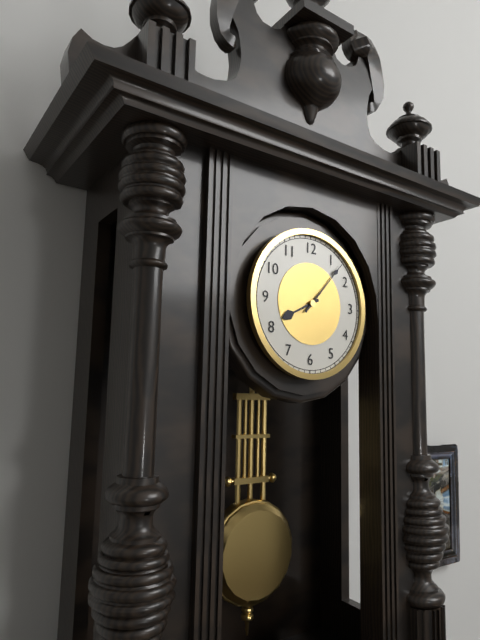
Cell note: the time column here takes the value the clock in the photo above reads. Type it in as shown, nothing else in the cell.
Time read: 8:07
